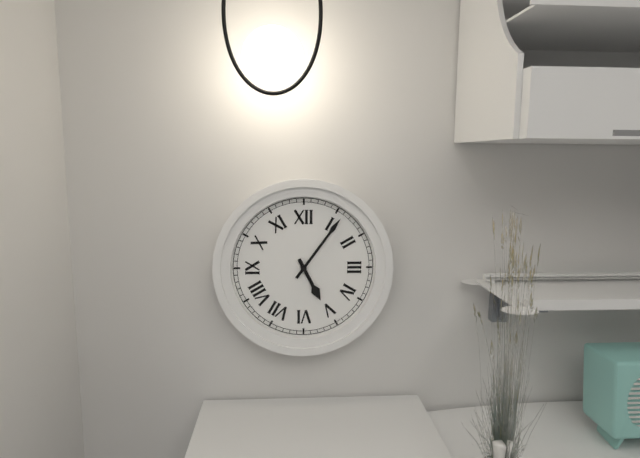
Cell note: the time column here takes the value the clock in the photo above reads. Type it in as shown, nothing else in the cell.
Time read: 5:06
